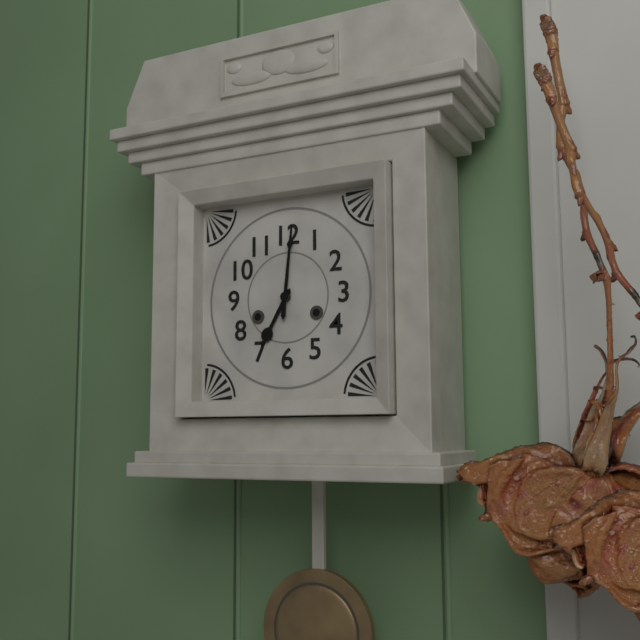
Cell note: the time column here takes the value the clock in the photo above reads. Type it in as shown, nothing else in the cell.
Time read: 7:01
